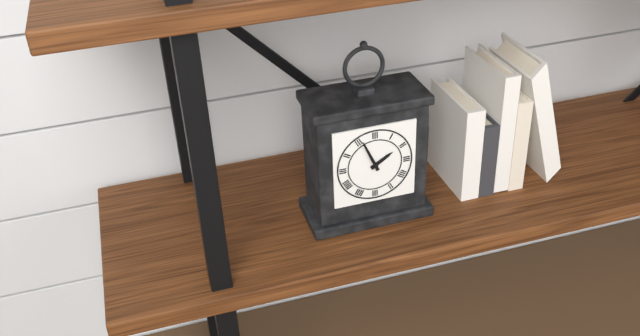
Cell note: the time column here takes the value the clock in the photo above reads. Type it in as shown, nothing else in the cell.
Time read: 1:56
